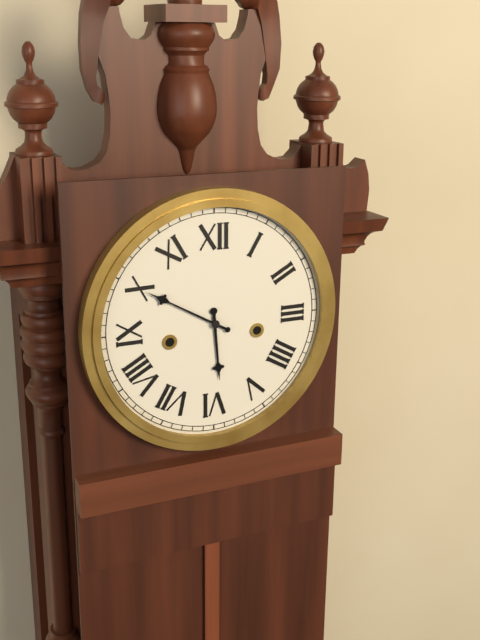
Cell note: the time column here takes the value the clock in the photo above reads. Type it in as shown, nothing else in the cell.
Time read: 5:50
